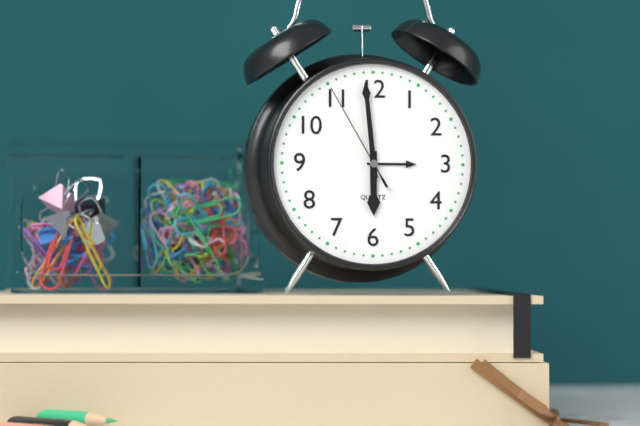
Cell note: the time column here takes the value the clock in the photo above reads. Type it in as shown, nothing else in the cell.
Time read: 5:59:55
